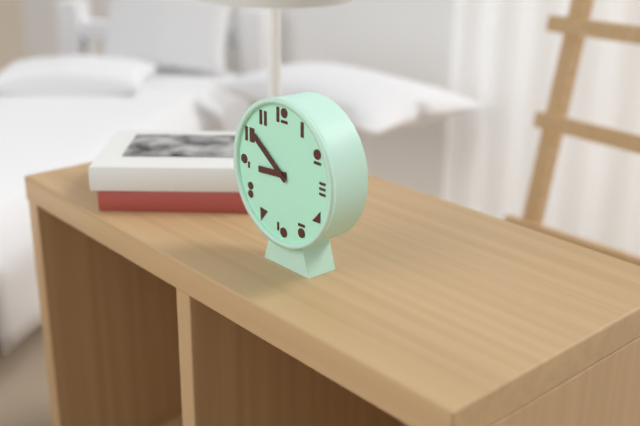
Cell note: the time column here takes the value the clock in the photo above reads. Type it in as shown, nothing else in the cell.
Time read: 8:51
